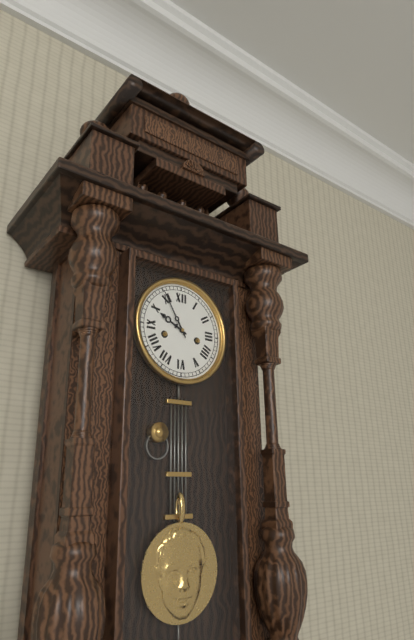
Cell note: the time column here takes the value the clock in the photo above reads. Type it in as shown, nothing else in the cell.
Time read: 9:55
